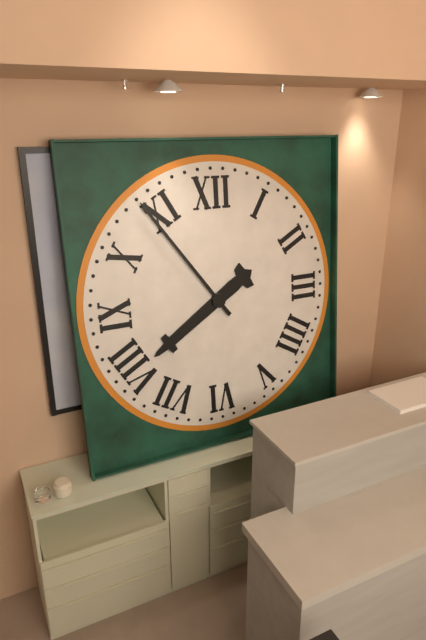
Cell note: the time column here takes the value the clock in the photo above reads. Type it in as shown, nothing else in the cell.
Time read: 7:54
